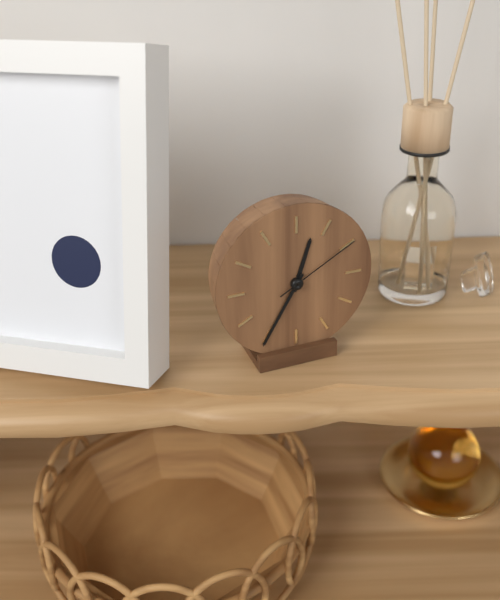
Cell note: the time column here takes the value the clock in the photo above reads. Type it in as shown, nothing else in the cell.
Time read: 12:35:10
